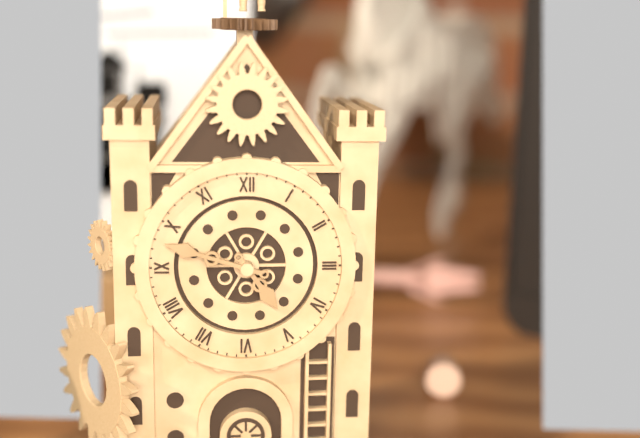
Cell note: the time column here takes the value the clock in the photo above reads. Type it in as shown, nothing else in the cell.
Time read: 4:48
